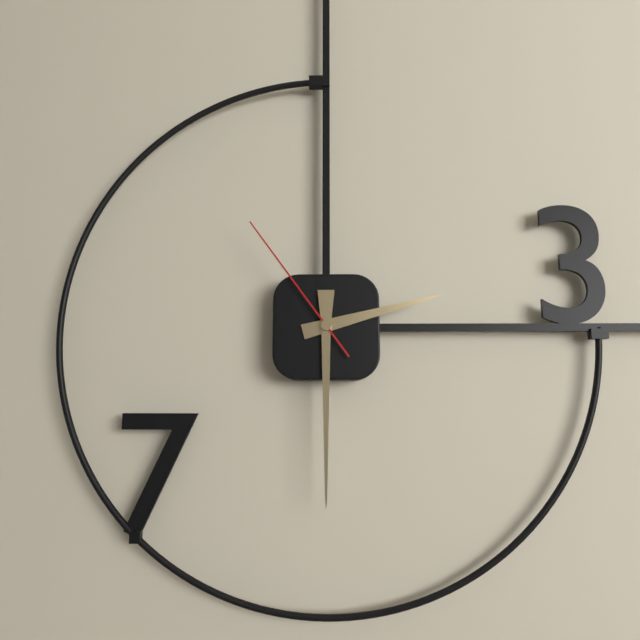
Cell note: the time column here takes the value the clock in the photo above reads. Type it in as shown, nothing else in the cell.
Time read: 2:30:54
